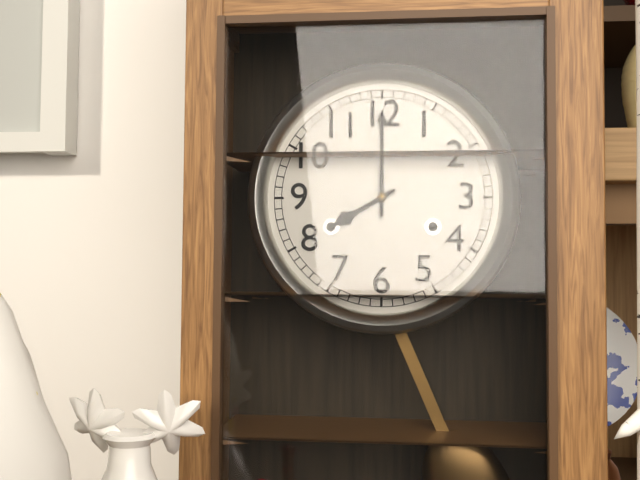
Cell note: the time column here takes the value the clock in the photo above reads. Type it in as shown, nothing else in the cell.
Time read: 8:00
